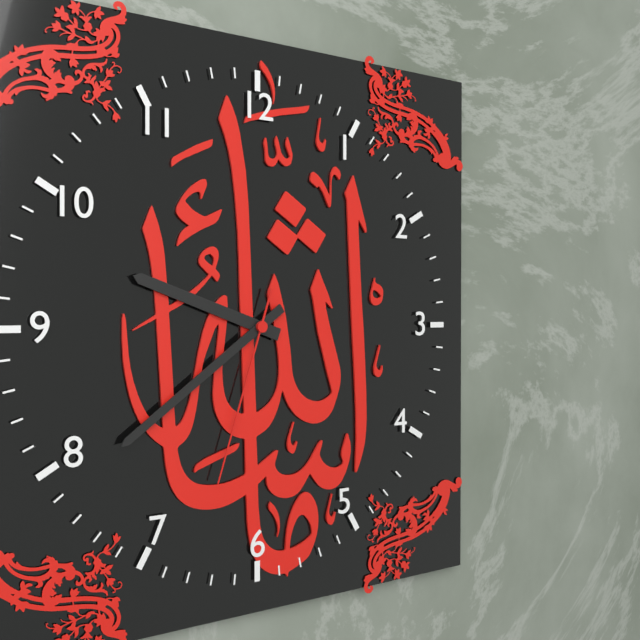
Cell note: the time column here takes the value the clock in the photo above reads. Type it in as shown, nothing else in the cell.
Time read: 9:39:33
